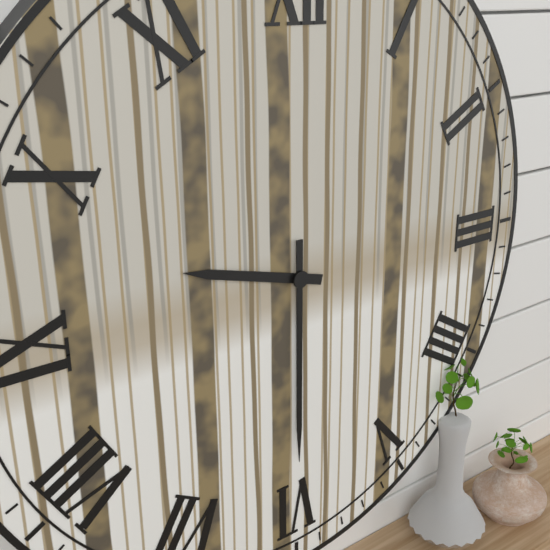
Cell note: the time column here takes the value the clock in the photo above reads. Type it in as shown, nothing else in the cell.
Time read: 9:30
